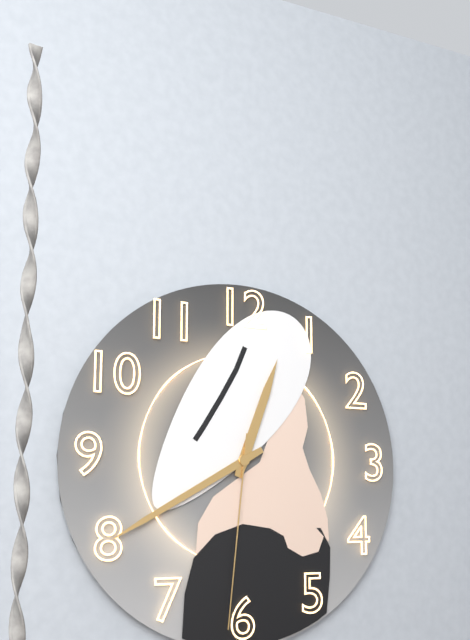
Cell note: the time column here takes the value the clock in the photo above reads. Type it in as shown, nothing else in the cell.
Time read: 12:40:31
